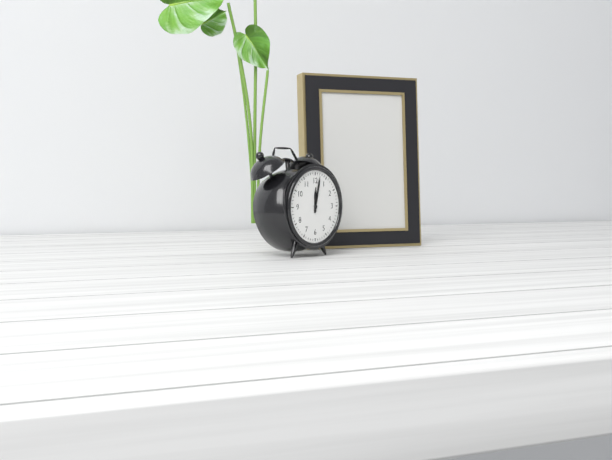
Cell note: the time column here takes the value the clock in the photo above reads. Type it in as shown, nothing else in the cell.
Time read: 12:02
